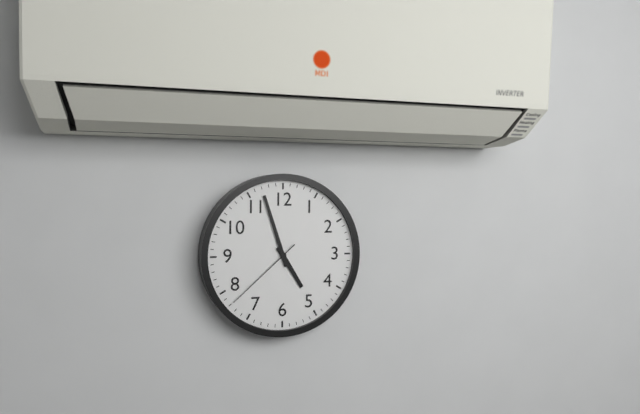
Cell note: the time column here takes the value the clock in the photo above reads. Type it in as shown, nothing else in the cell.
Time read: 4:57:38
